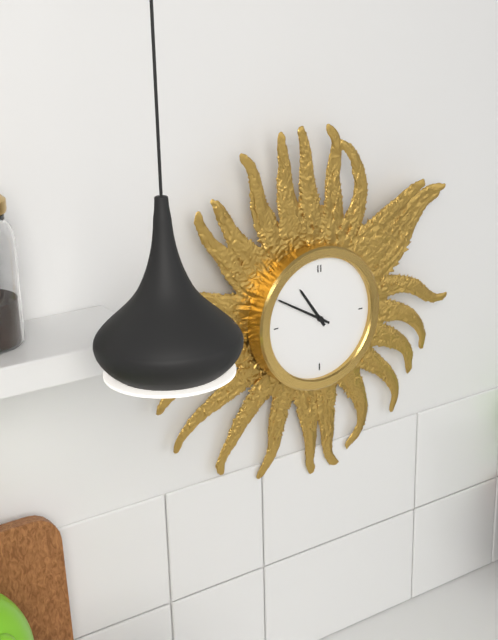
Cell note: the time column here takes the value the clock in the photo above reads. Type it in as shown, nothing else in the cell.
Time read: 10:50
